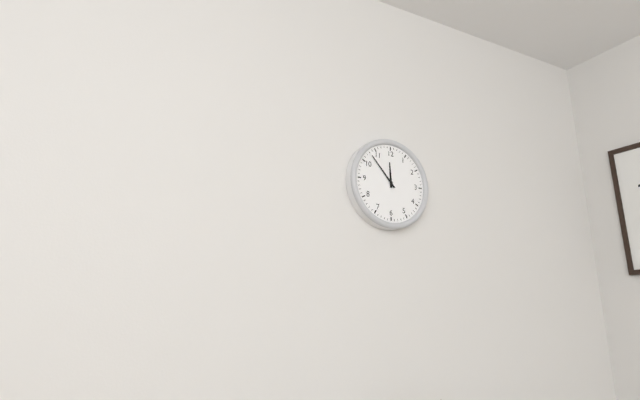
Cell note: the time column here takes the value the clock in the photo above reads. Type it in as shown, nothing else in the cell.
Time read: 11:53
